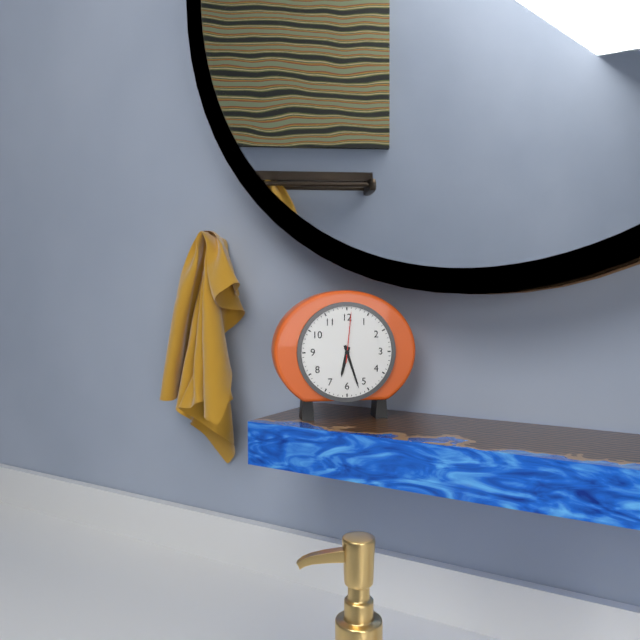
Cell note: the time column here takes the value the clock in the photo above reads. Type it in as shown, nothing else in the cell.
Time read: 6:27:01
